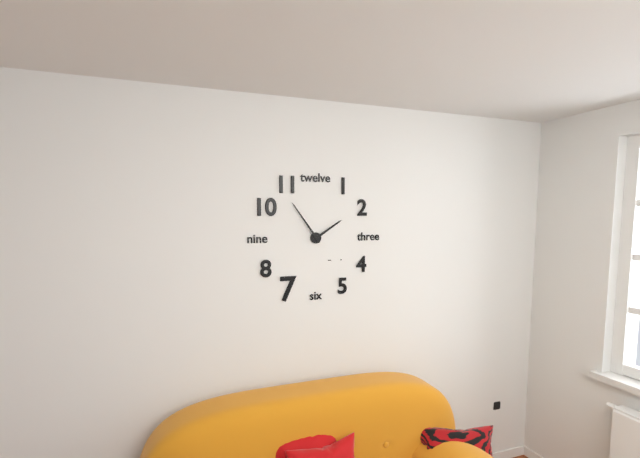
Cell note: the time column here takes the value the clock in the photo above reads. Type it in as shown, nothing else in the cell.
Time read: 1:54
